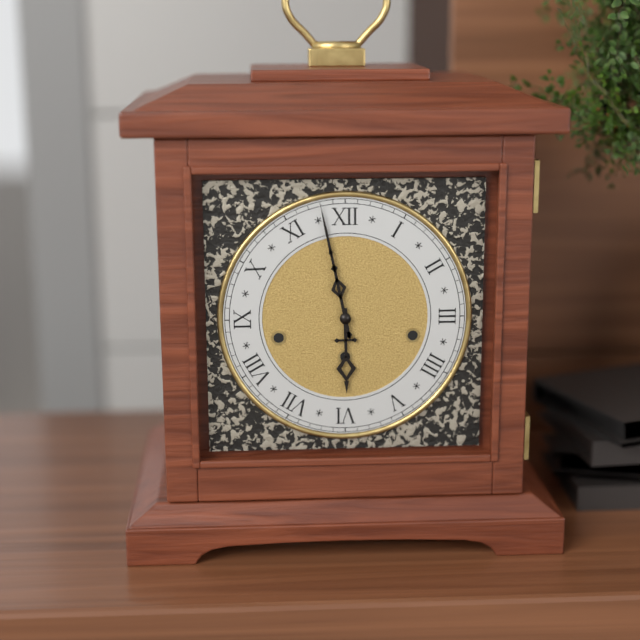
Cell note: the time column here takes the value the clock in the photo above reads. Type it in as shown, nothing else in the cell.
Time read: 5:58
